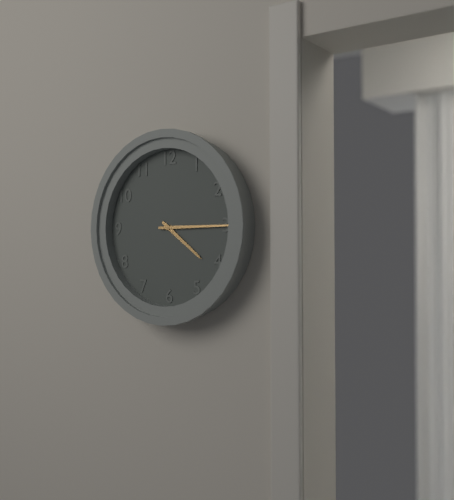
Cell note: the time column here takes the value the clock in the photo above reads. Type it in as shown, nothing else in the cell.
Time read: 4:15
